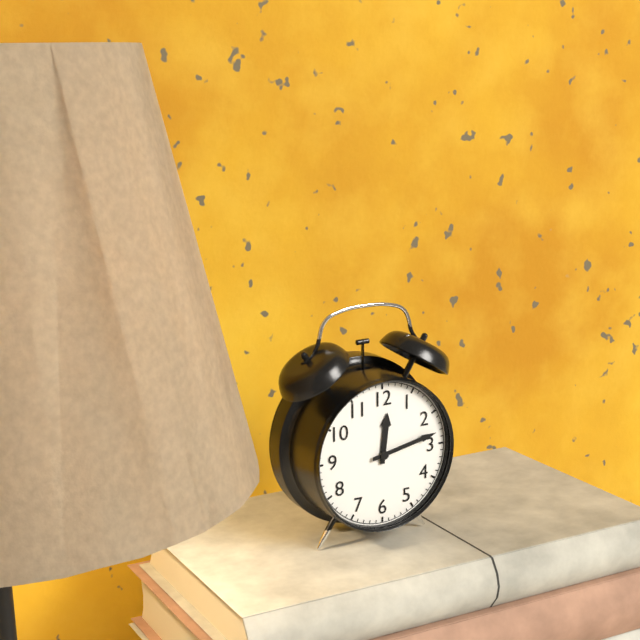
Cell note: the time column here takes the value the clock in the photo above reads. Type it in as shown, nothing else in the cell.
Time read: 12:13
